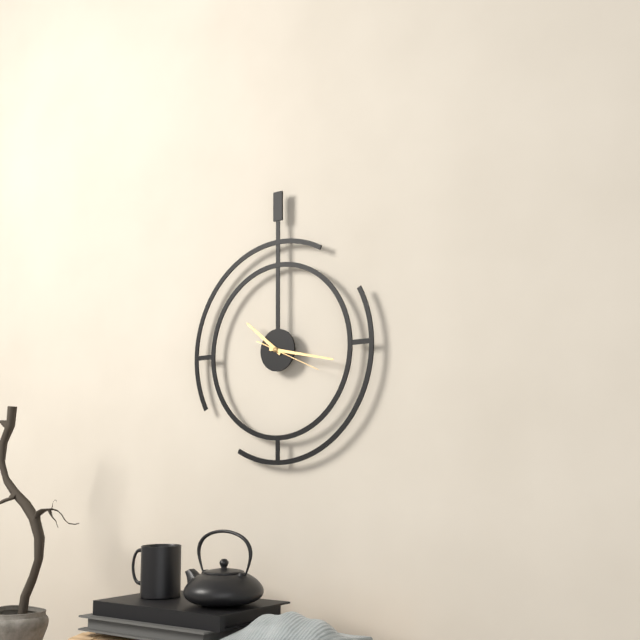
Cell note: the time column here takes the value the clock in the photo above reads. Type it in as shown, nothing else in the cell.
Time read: 10:17:19
